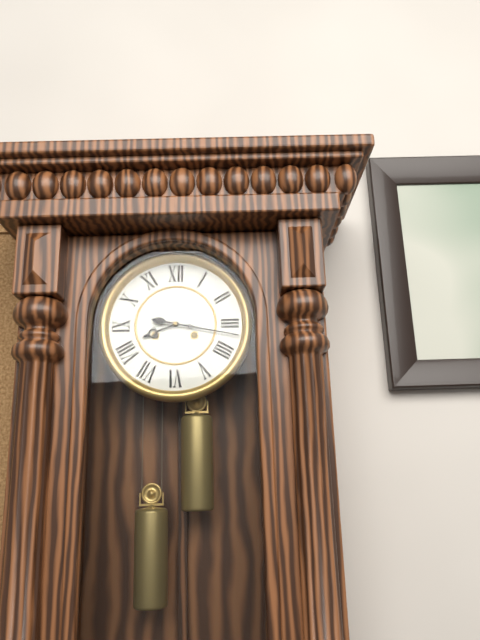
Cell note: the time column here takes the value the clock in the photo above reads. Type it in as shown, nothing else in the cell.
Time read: 8:17
